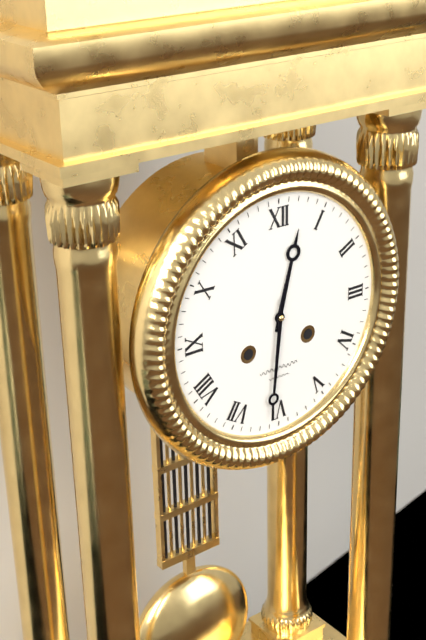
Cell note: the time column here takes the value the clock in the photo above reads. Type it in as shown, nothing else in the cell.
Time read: 12:31
